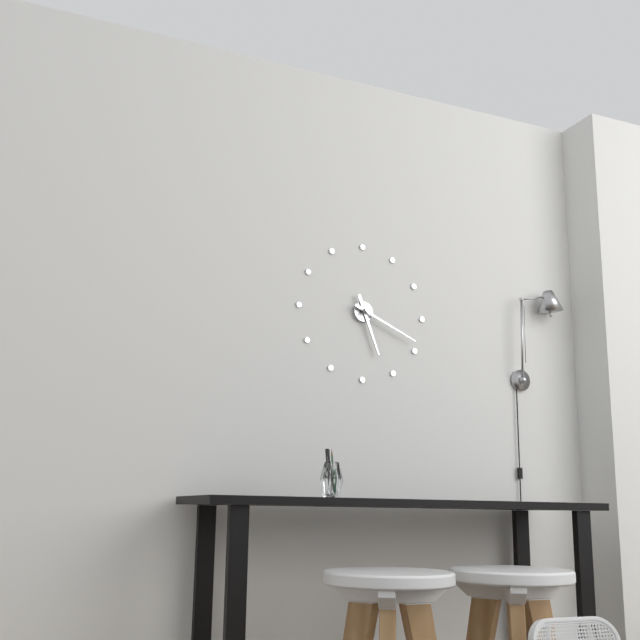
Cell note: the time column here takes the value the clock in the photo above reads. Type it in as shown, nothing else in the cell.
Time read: 5:19
